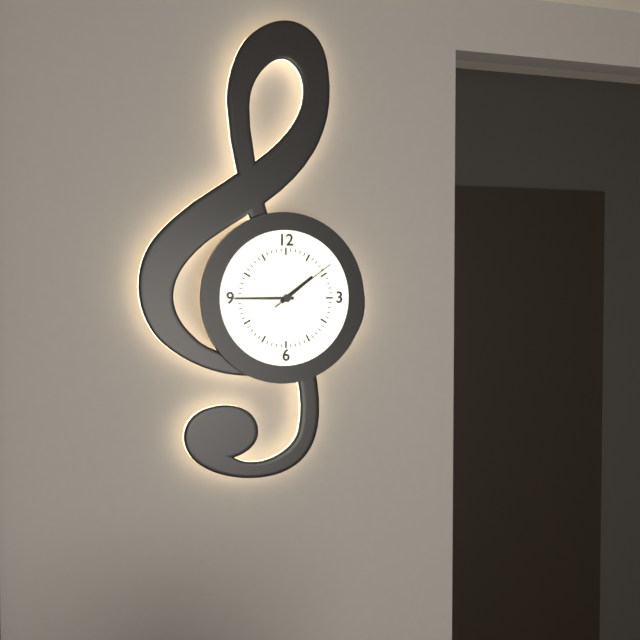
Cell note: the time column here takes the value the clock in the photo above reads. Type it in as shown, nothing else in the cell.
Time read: 1:45:09
